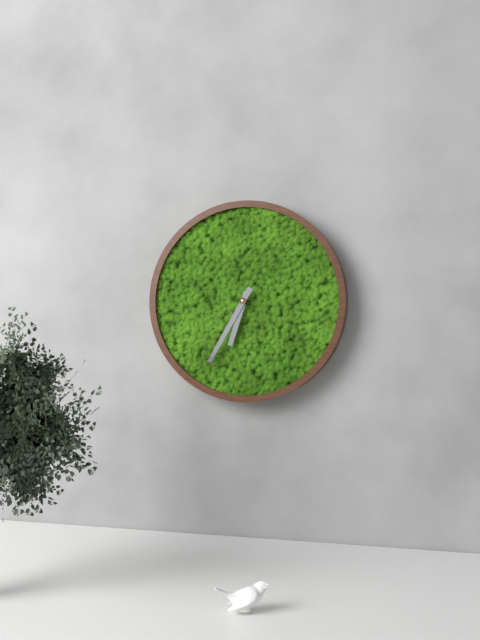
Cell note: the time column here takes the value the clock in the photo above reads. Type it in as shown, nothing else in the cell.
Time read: 6:35
